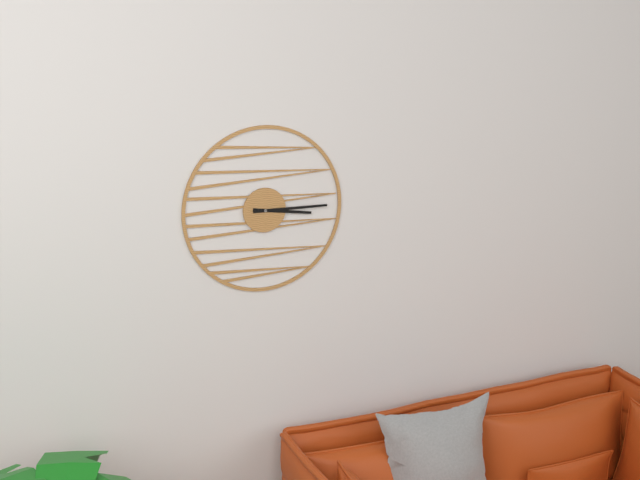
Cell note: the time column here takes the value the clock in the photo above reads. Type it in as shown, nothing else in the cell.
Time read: 3:15
